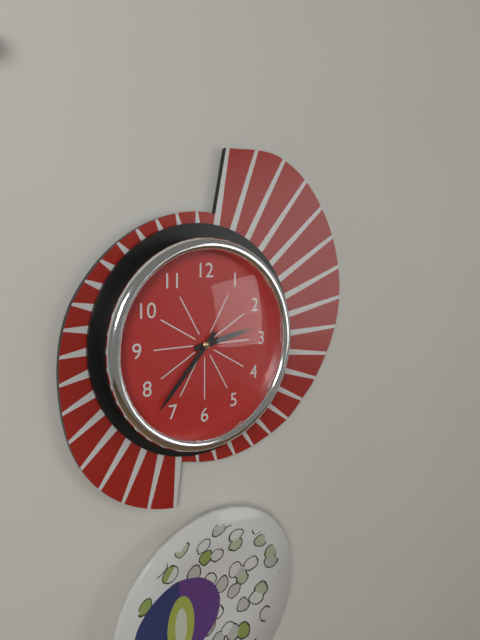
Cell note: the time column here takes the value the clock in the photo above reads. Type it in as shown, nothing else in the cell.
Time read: 2:37
